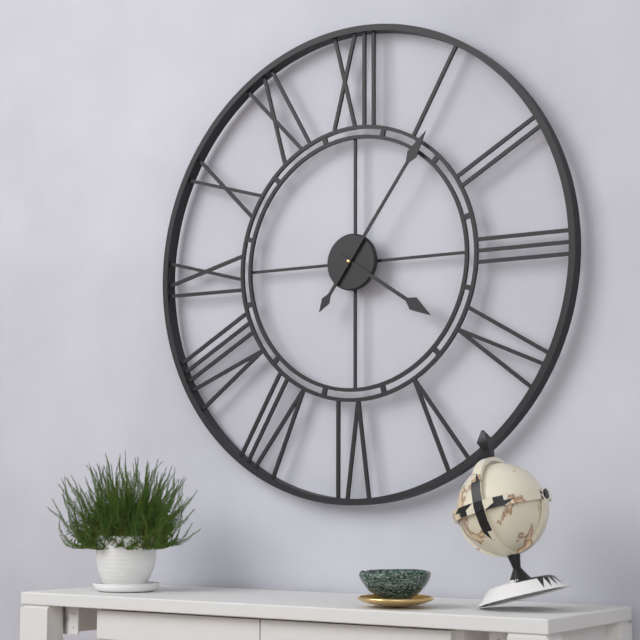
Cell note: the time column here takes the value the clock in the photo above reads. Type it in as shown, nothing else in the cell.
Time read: 4:06
